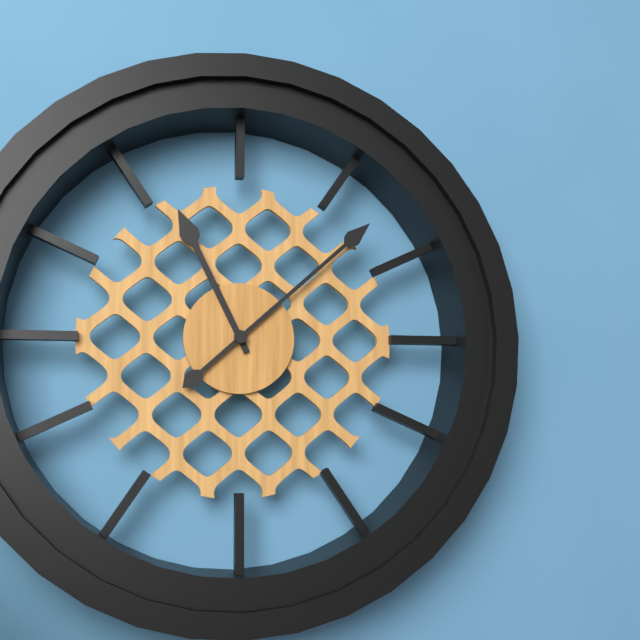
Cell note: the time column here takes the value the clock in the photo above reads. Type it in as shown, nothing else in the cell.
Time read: 11:08
